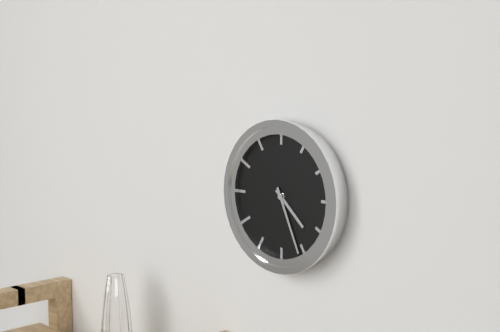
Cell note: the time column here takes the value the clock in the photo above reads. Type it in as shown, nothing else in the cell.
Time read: 4:26
